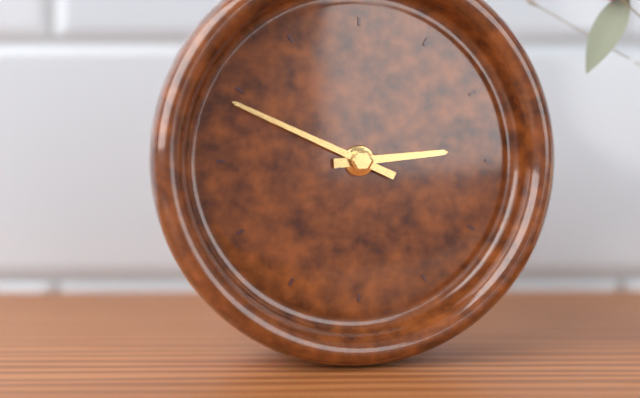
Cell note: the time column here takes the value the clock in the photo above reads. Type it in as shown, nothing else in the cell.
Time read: 2:49
